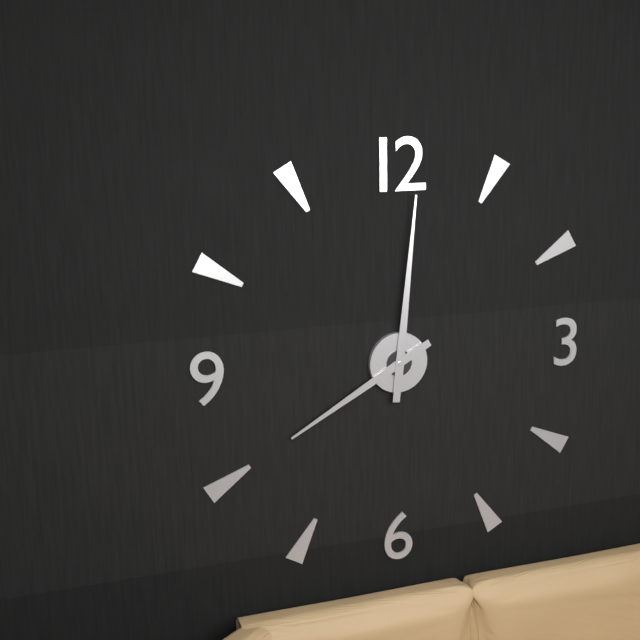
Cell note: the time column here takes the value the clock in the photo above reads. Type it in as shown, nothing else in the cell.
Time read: 8:01
